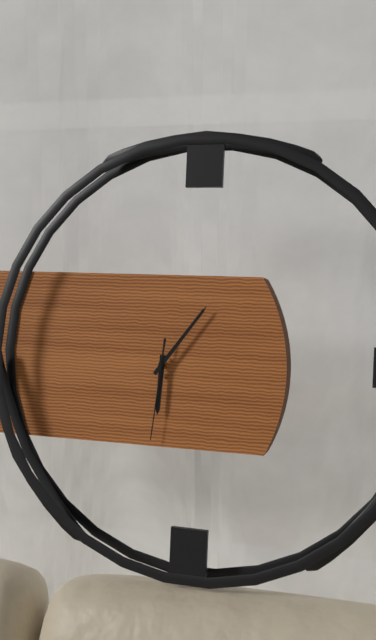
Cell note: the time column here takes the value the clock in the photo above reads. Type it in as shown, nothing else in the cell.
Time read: 6:06:31
